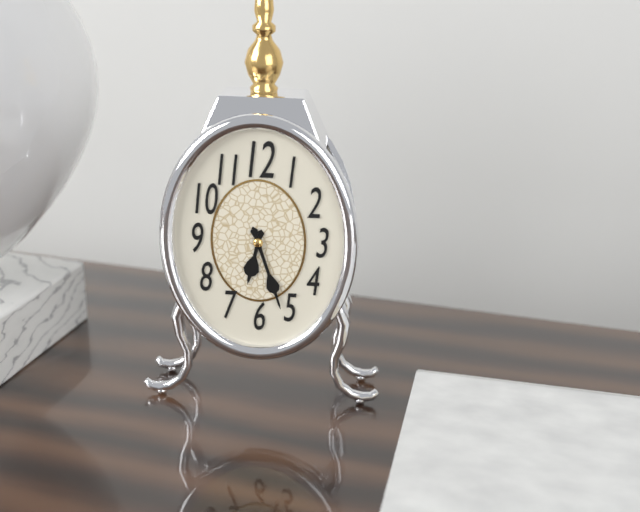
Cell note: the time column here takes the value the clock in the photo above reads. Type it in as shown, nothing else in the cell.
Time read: 6:27
